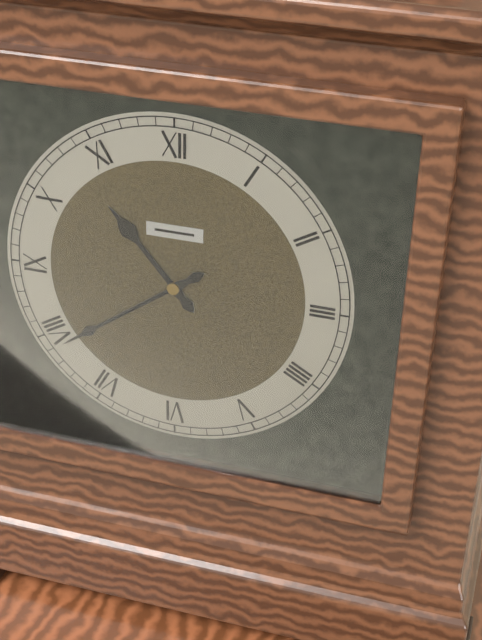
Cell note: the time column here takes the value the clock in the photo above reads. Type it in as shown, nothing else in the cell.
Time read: 10:39
